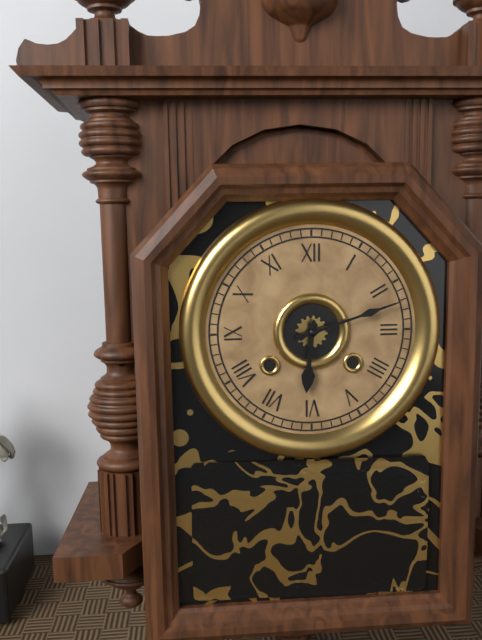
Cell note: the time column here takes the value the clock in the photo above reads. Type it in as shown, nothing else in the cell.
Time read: 6:12
